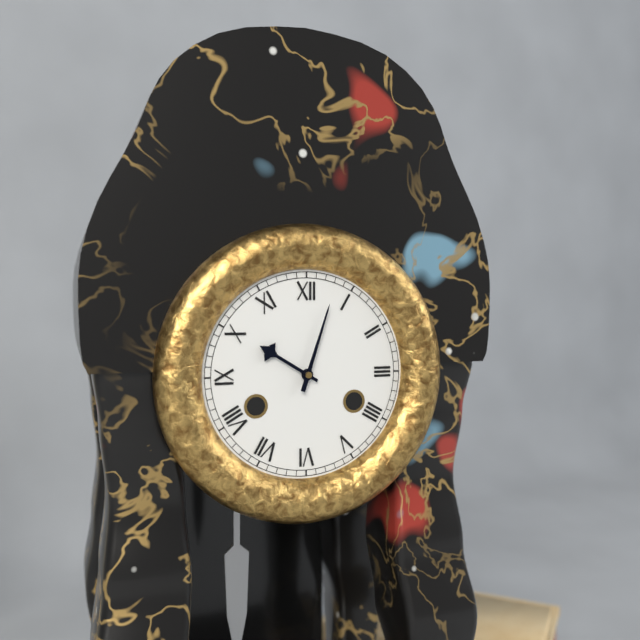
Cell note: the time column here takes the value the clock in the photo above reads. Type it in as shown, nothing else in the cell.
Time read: 10:03
